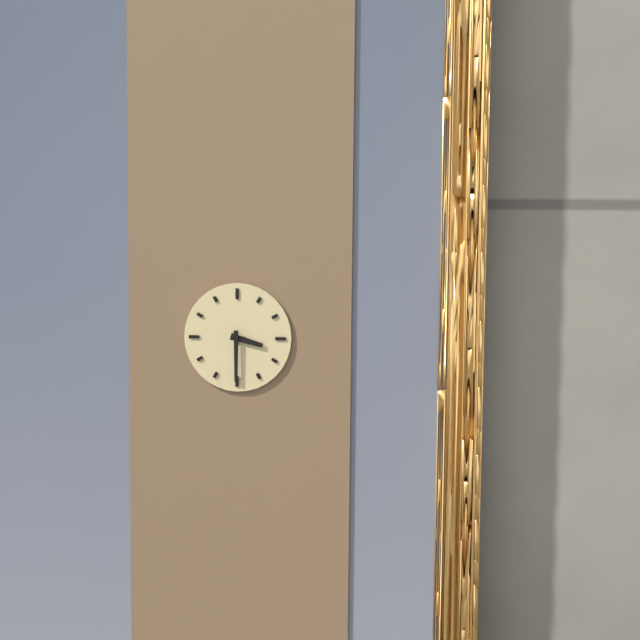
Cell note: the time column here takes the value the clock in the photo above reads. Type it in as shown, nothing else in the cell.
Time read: 3:30
